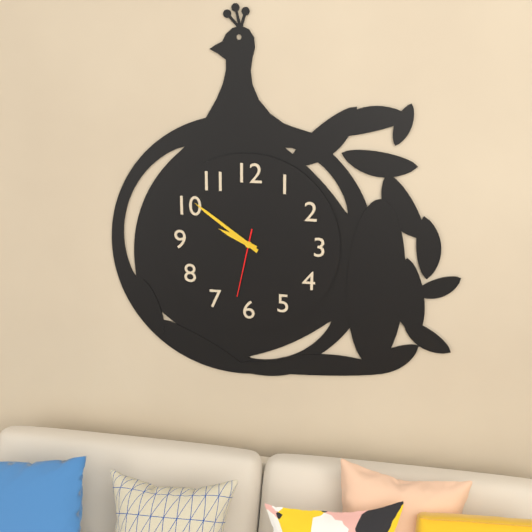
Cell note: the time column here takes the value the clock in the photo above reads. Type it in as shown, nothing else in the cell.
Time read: 9:51:32
